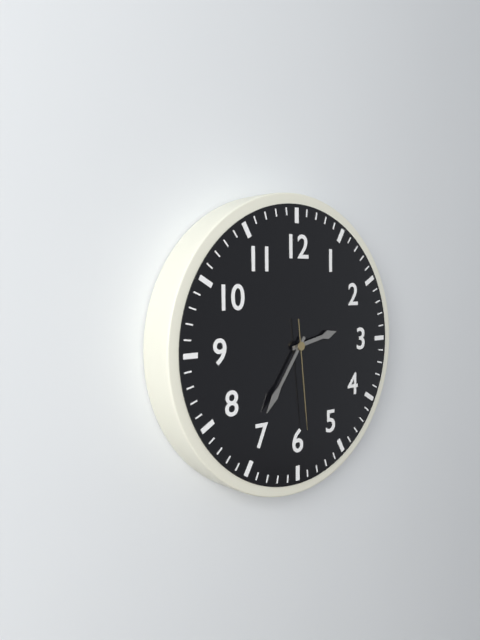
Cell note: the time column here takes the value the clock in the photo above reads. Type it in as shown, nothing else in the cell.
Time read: 2:36:29
